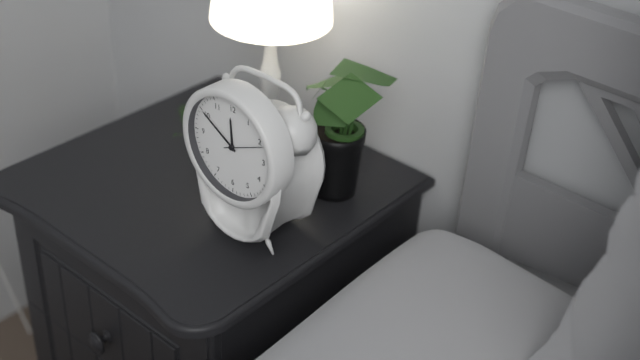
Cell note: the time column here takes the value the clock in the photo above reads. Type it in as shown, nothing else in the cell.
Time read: 11:50
